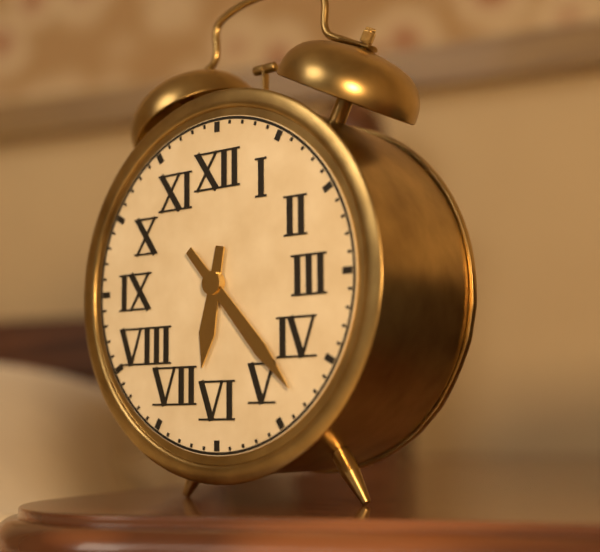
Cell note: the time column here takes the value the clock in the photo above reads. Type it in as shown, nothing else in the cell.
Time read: 6:23
